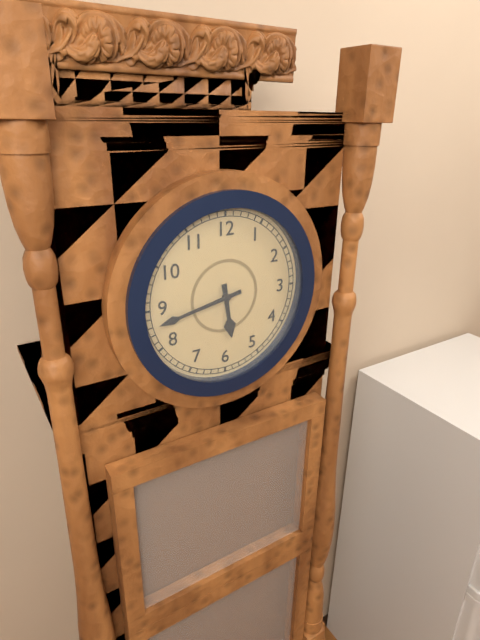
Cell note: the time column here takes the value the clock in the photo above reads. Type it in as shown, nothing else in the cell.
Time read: 5:43
